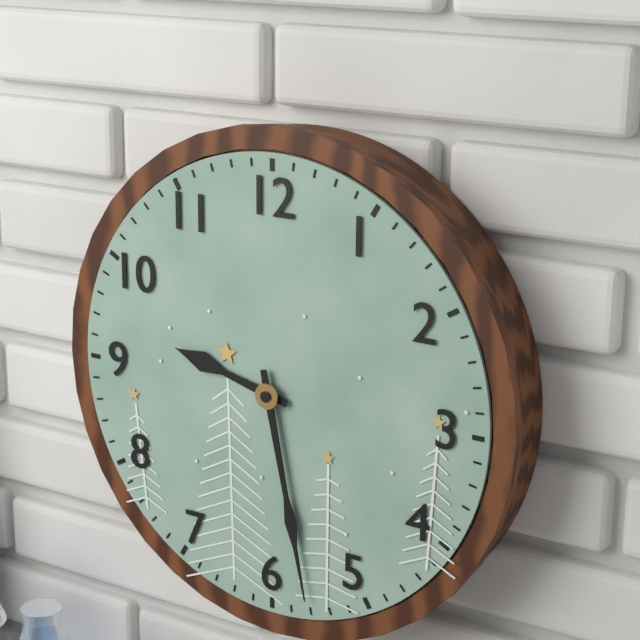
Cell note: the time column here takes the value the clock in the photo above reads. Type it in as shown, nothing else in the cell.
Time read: 9:28
